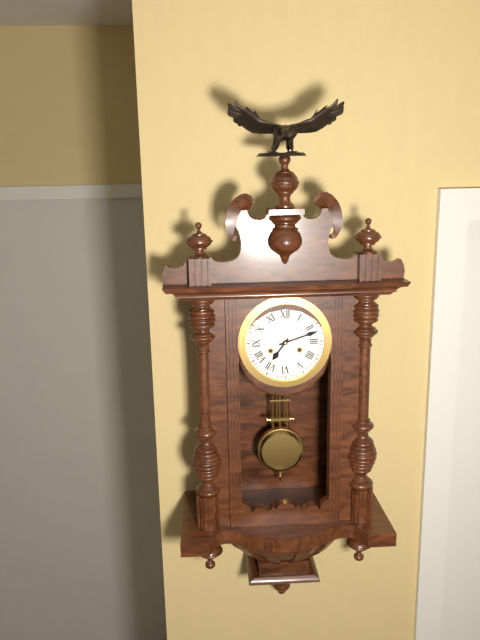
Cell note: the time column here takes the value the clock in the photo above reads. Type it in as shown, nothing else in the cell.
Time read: 7:12
